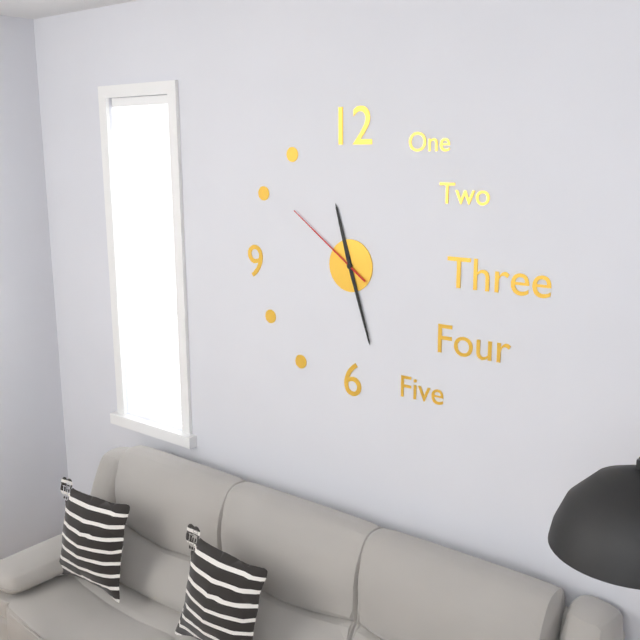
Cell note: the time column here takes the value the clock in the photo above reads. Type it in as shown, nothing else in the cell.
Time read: 11:27:51
